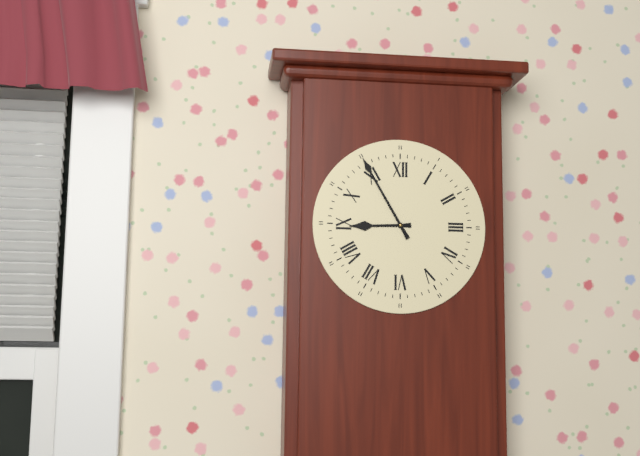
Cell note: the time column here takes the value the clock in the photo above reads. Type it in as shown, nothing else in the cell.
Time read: 8:55
